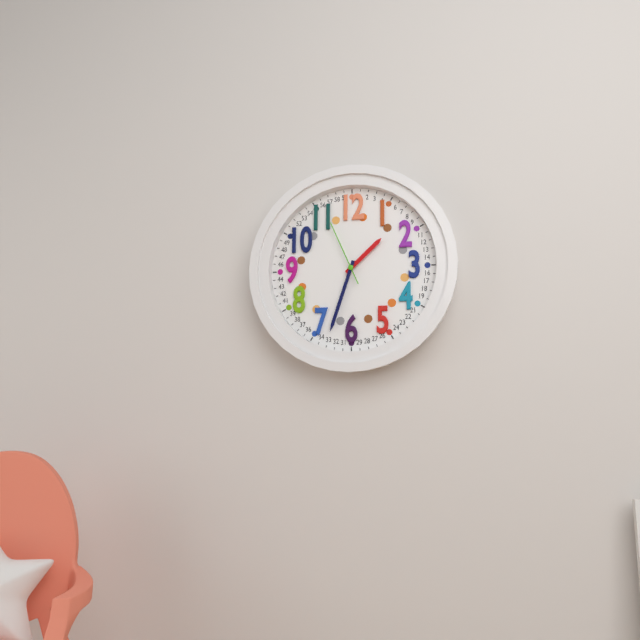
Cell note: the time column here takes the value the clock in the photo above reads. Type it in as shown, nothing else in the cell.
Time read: 1:33:56
